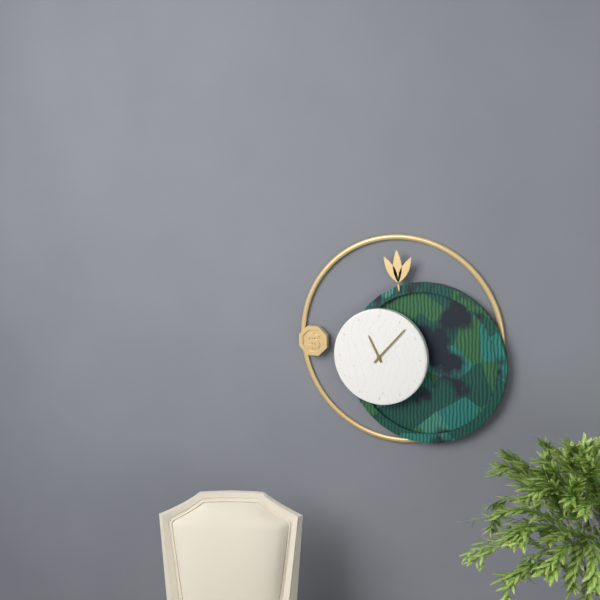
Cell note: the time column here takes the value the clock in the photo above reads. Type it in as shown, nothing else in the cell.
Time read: 11:07
